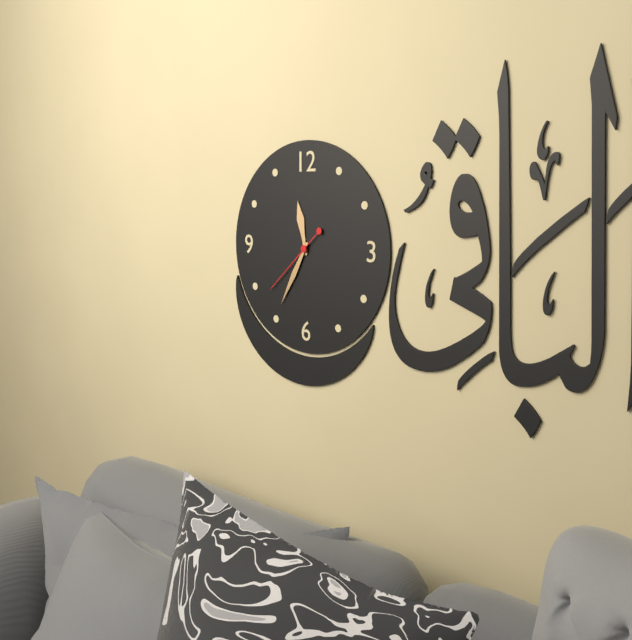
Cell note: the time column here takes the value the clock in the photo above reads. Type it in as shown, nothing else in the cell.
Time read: 11:35:38
